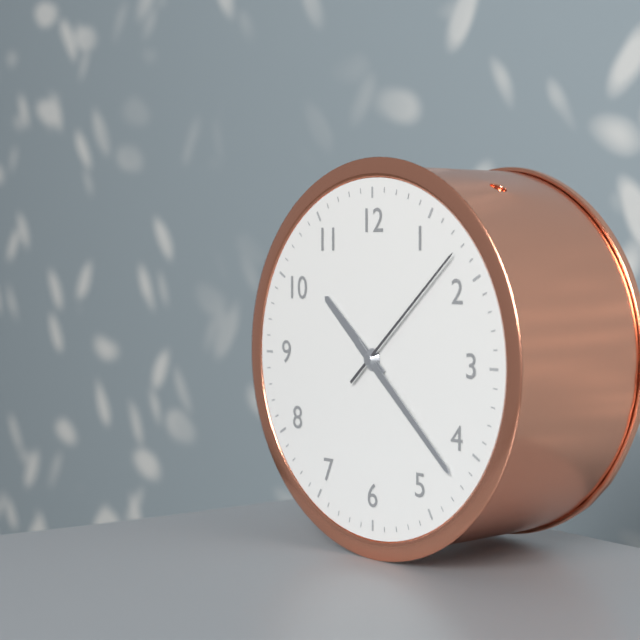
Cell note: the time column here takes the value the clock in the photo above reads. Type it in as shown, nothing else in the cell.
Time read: 10:22:08
